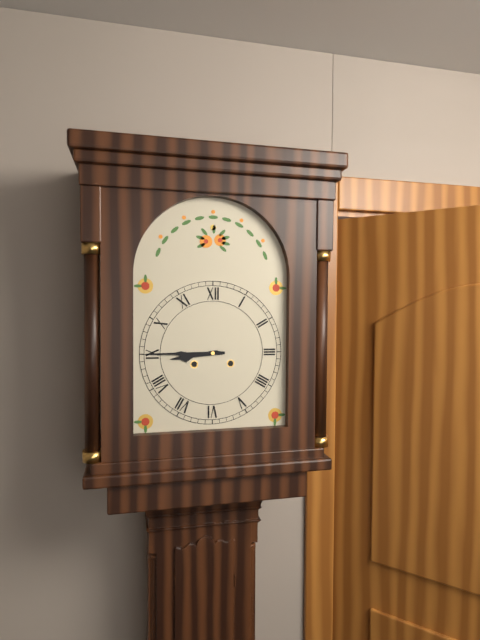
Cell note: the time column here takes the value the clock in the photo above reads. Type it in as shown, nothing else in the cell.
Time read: 8:45
